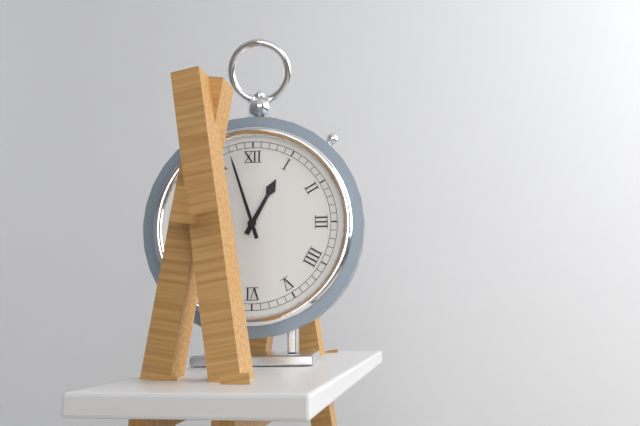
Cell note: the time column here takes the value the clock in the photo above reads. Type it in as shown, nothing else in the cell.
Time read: 12:57
